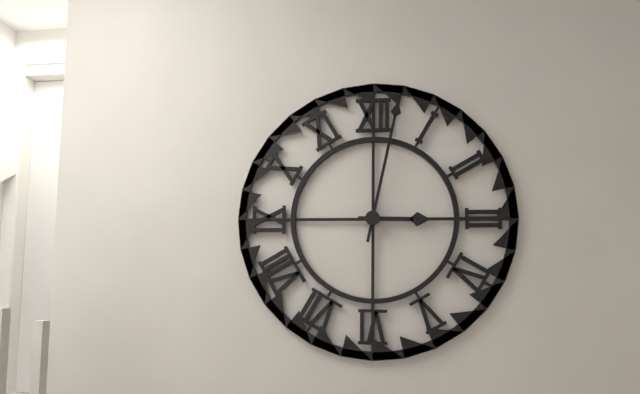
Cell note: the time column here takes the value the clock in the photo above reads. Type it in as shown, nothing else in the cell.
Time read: 3:02
